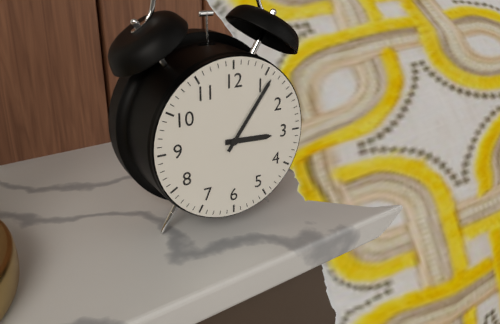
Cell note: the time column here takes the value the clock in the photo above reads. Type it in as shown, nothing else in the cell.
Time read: 3:06
